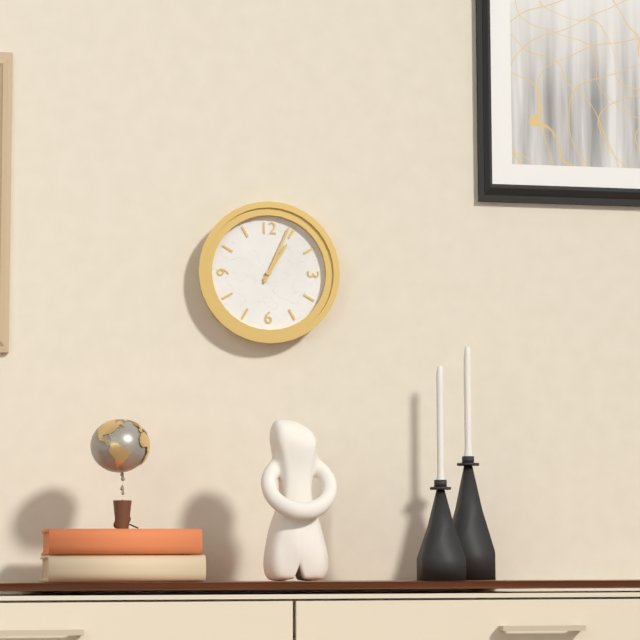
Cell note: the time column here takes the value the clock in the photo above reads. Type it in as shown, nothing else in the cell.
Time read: 1:04
